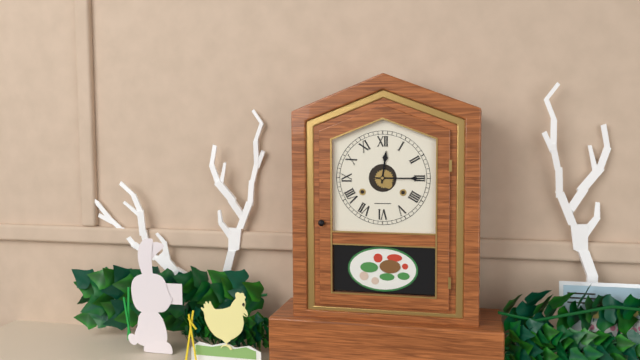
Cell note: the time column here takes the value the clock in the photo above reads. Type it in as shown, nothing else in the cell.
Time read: 12:15
